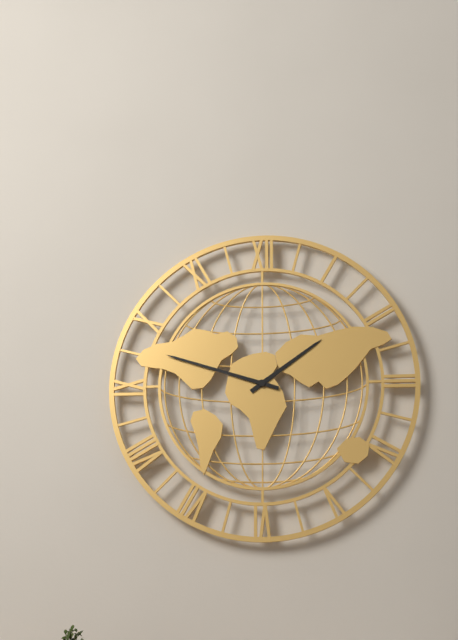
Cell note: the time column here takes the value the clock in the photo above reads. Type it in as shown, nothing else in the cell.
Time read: 1:48
